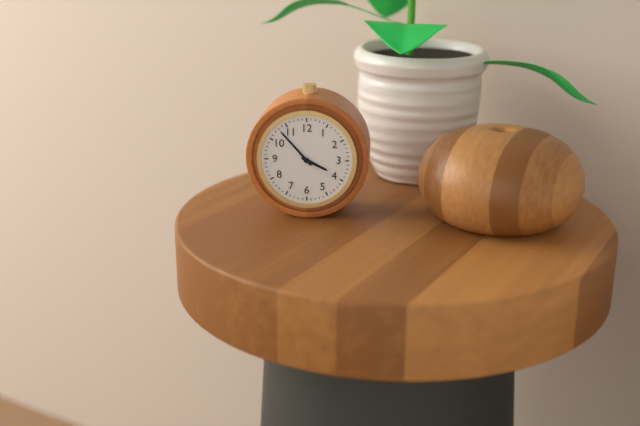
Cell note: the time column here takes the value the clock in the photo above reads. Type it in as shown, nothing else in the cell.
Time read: 3:53
